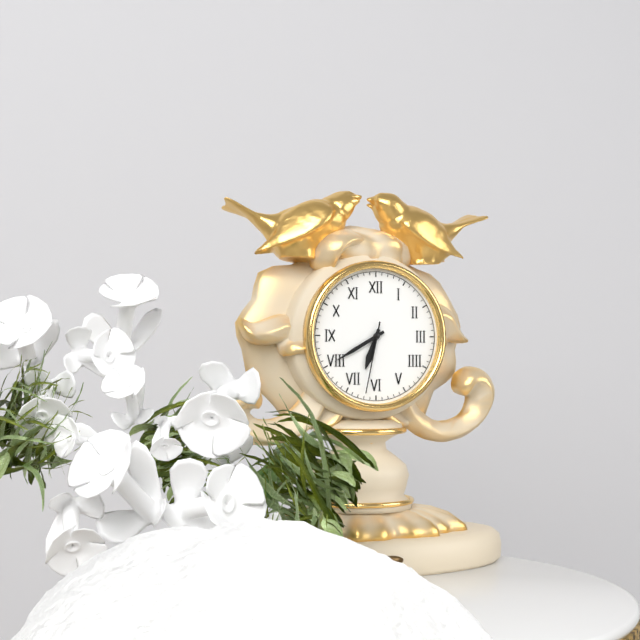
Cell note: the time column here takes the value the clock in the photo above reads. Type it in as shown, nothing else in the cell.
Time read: 6:40:32
